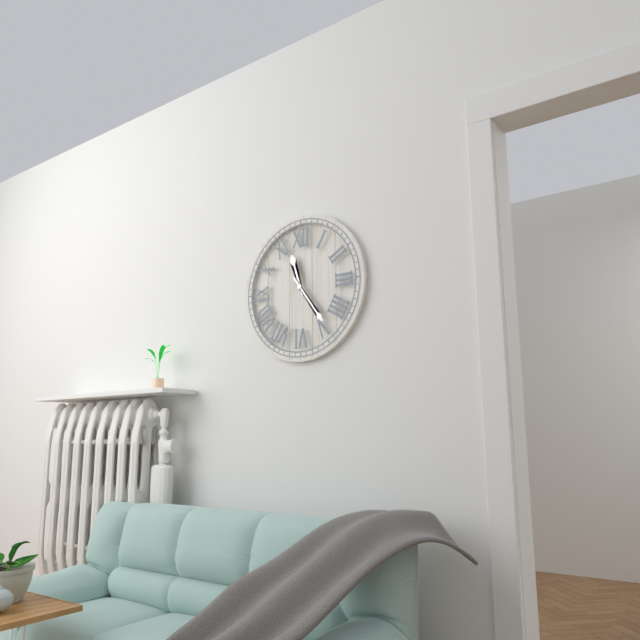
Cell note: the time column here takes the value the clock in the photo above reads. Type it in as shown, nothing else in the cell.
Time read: 11:24
